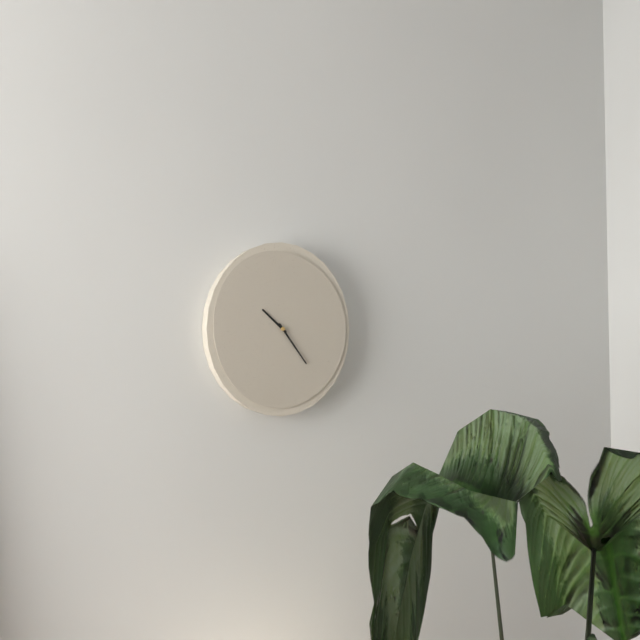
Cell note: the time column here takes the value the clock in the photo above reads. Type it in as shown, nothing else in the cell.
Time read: 10:24
